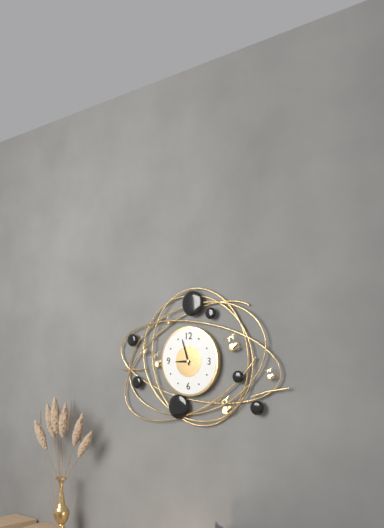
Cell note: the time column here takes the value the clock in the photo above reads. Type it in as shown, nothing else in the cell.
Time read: 8:57
